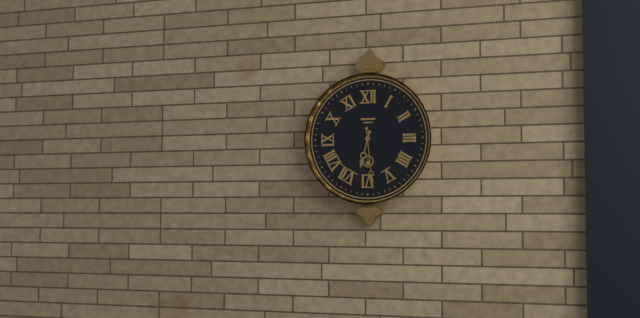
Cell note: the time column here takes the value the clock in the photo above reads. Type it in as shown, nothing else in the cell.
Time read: 6:29
